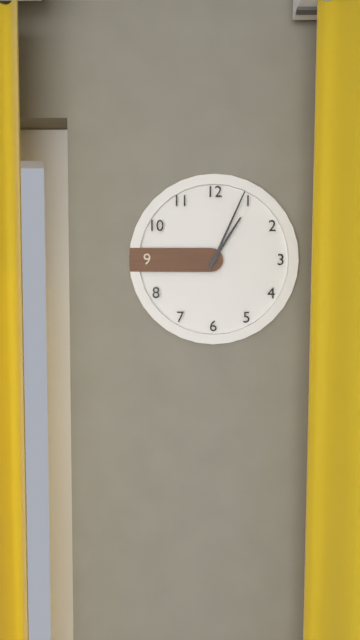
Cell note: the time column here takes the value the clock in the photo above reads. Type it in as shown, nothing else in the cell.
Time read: 1:04
